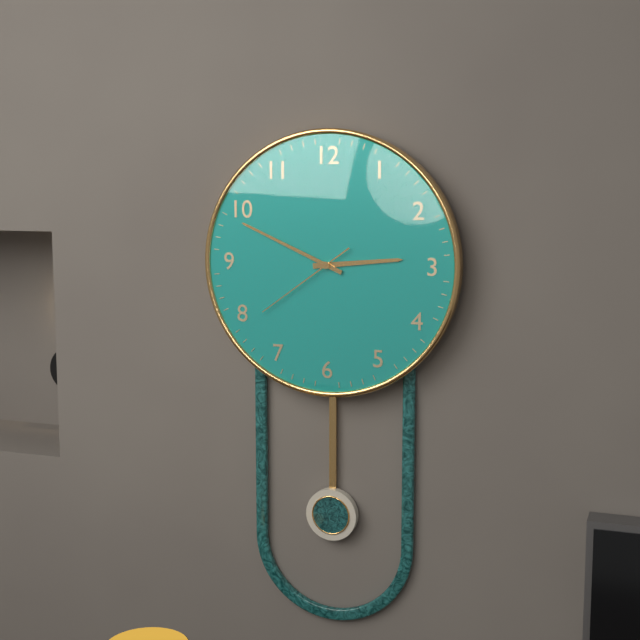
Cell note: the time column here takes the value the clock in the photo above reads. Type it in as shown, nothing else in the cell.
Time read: 2:49:39
